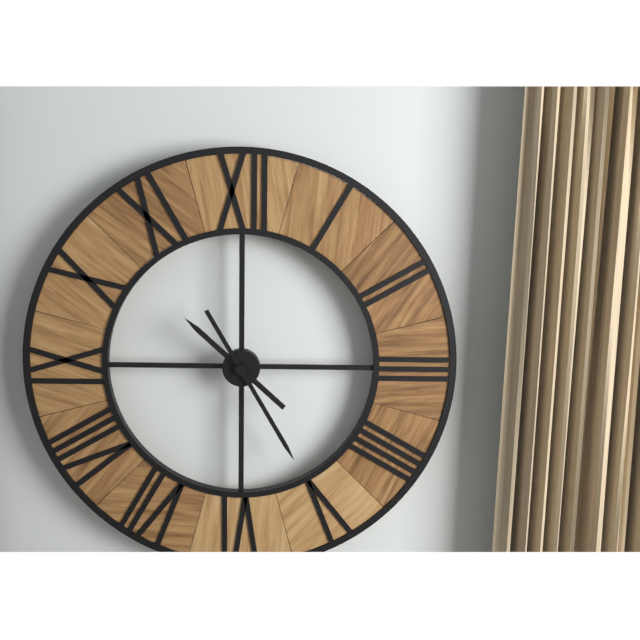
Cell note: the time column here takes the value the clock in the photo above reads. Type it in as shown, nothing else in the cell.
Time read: 10:25
